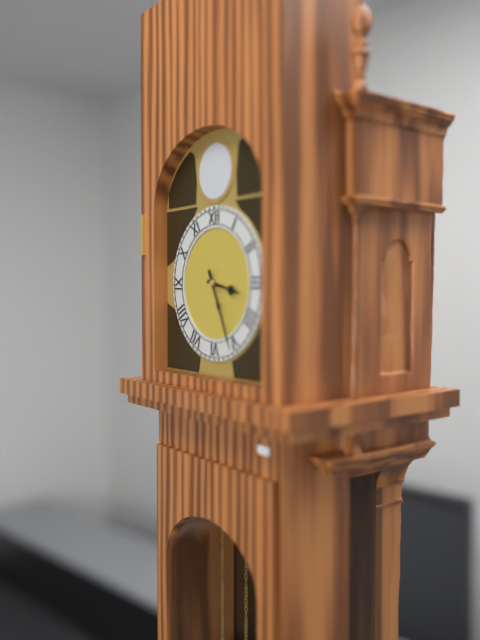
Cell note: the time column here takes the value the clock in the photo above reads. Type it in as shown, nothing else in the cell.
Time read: 3:26
